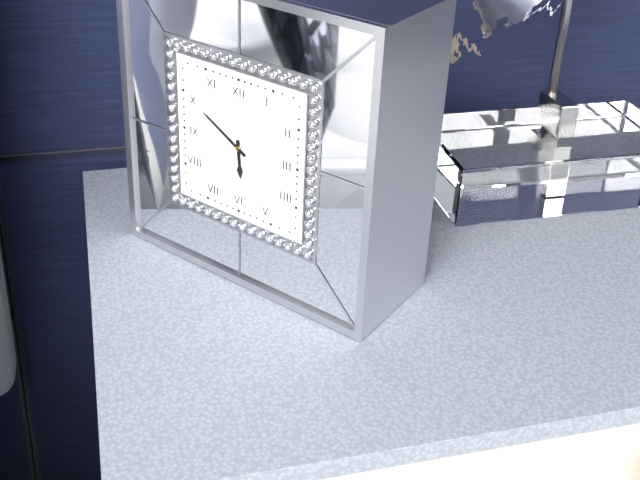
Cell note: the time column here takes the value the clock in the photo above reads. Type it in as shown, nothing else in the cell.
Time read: 5:50
